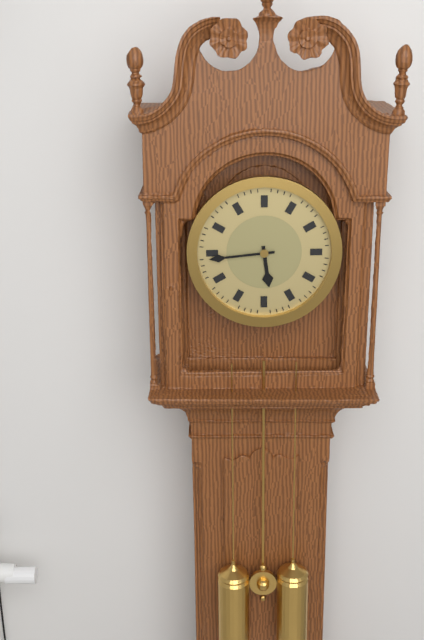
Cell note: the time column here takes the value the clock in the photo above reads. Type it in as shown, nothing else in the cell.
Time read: 5:44
